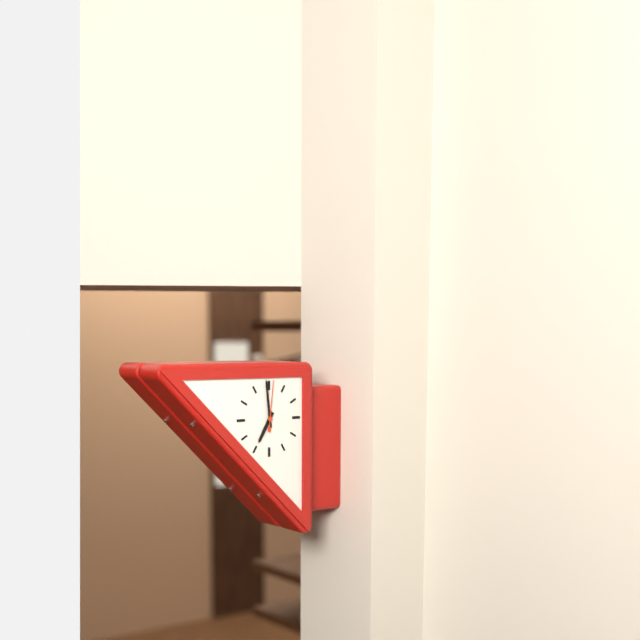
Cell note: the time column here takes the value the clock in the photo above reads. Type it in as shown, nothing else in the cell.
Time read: 6:59
